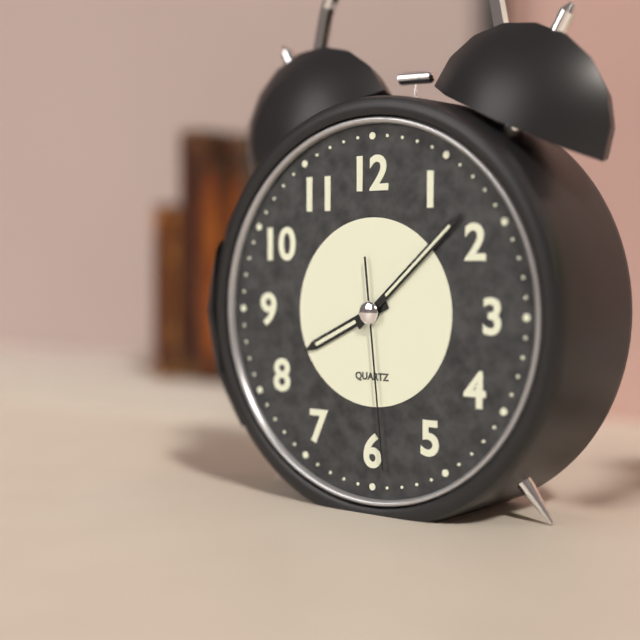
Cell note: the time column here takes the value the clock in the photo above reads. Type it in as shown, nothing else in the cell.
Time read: 8:08:29
